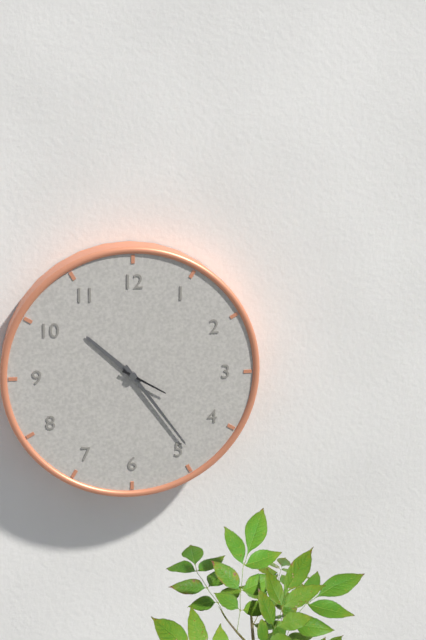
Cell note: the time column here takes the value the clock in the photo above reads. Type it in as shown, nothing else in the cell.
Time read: 10:24
